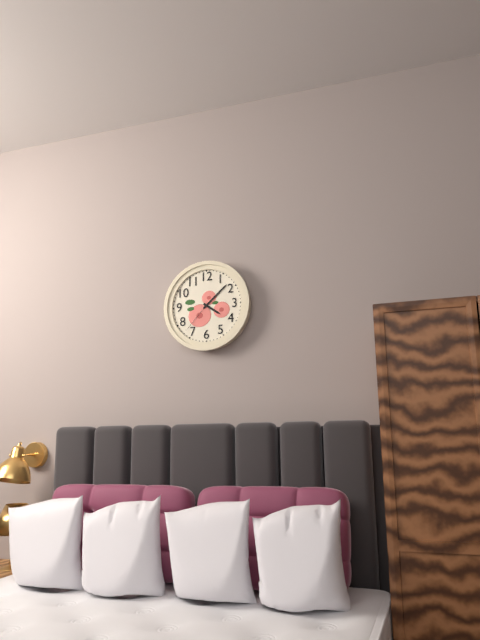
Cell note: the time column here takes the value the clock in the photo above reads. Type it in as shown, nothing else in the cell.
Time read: 4:08
